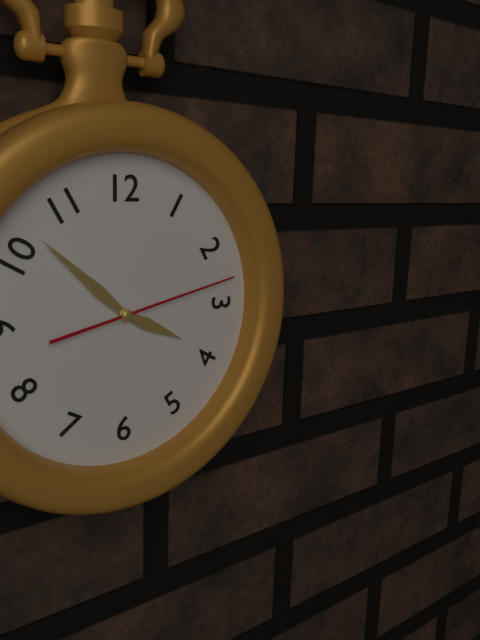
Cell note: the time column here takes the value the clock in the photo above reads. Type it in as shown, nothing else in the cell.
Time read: 3:52:13
